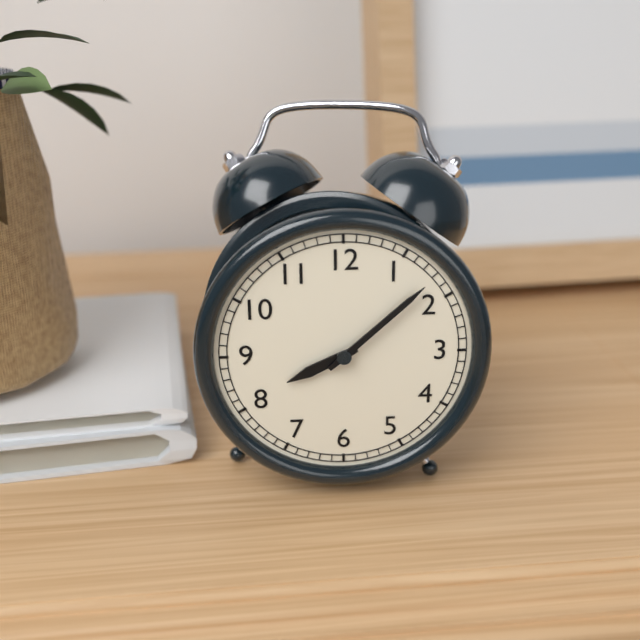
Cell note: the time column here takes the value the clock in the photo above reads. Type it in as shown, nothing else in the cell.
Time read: 8:08
